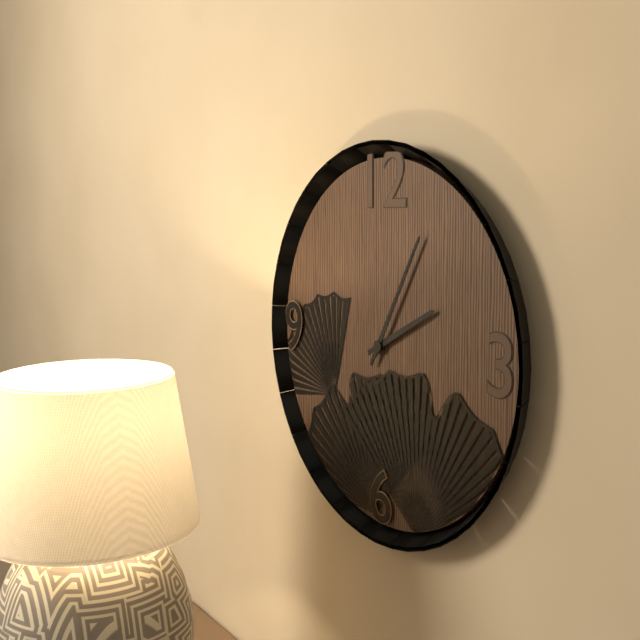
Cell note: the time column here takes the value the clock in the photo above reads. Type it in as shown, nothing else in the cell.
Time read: 2:05
